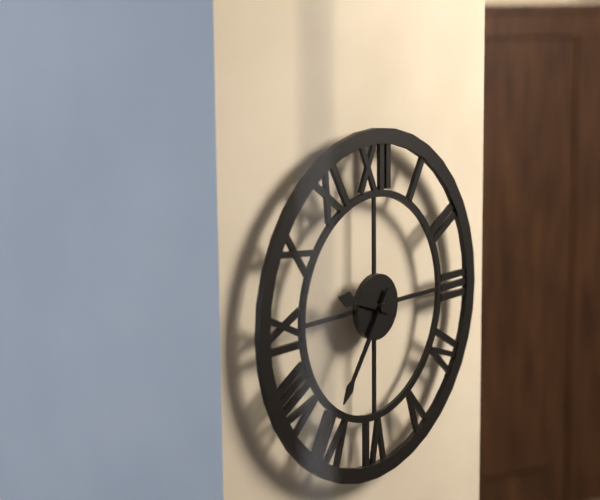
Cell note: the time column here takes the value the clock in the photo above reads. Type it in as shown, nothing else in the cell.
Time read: 9:36
